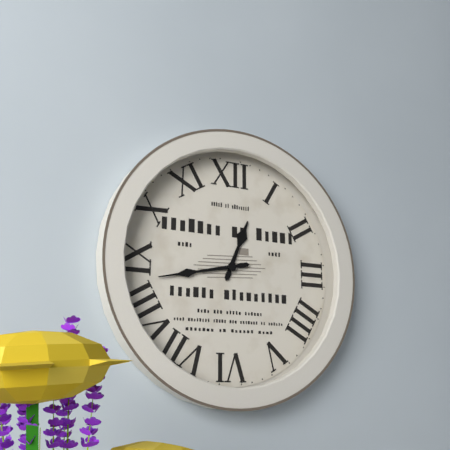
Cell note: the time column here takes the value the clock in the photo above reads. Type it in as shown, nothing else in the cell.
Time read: 12:43
